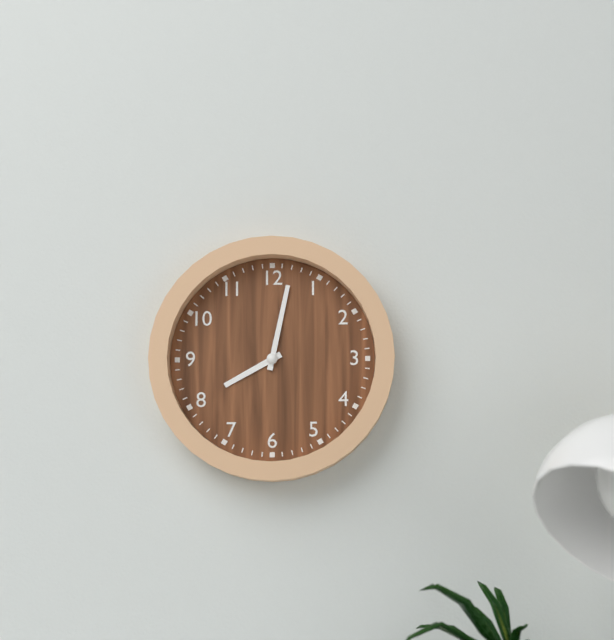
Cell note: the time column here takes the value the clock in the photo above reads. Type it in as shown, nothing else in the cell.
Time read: 8:02
